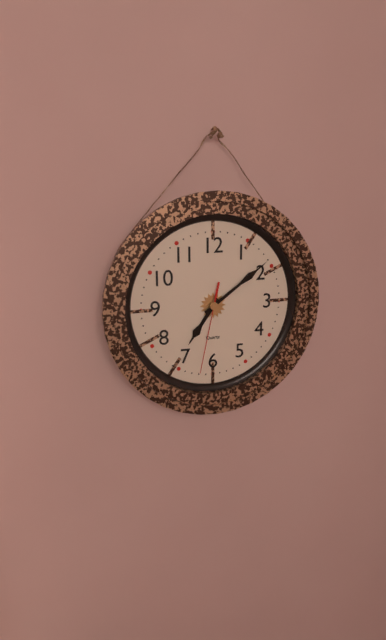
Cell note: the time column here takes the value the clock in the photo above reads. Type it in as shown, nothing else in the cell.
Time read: 7:09:32
